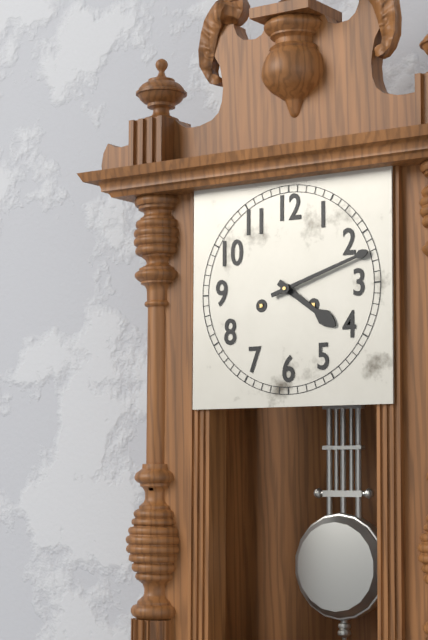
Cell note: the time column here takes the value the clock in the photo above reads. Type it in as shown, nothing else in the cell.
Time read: 4:12
